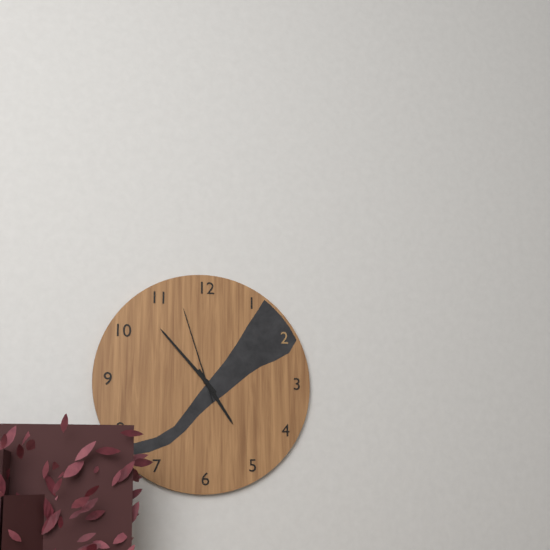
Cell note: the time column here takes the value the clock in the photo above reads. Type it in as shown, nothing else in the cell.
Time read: 4:53:57
